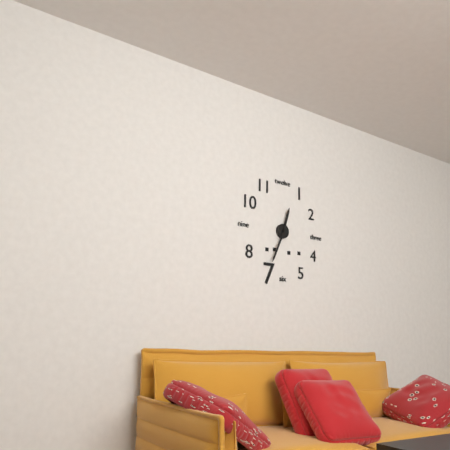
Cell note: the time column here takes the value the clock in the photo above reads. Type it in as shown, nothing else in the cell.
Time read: 12:34
